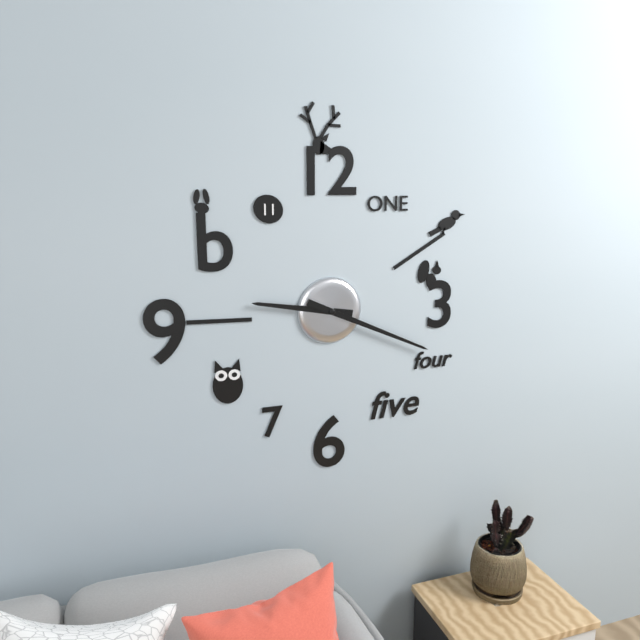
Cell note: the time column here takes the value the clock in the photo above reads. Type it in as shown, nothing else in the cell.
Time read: 9:19
